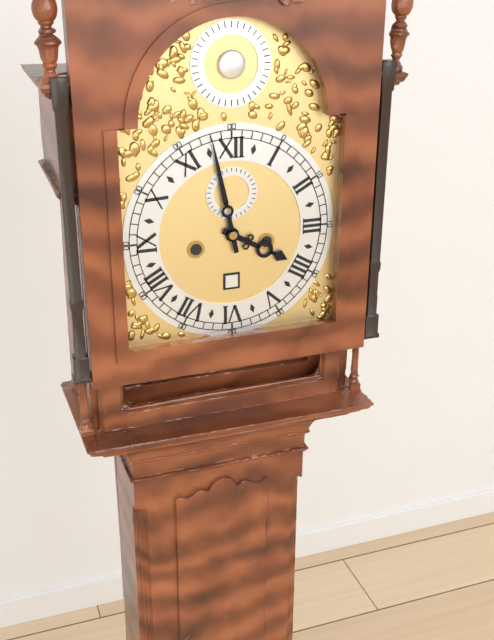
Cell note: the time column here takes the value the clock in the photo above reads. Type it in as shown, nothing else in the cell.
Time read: 3:58
